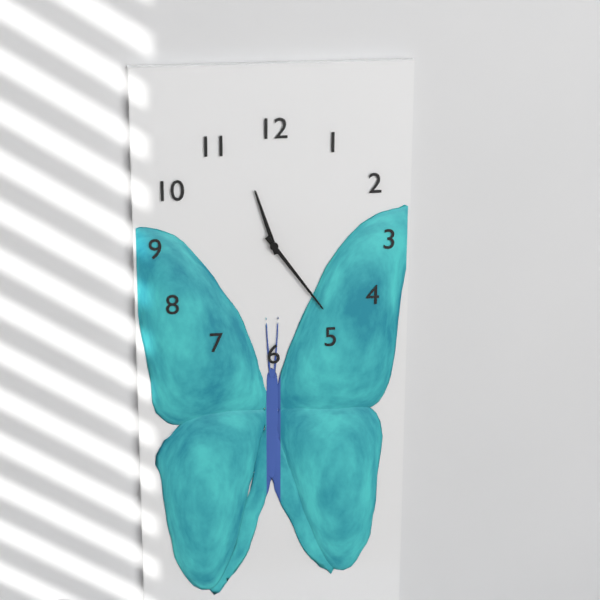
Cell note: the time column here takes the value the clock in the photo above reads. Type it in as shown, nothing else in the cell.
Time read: 11:24
